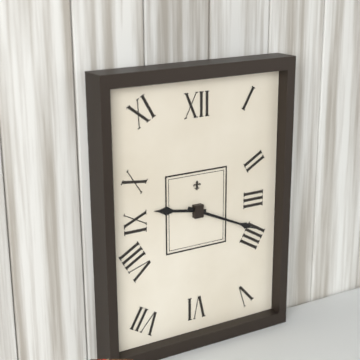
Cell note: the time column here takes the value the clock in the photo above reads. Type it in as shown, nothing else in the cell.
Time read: 9:19
